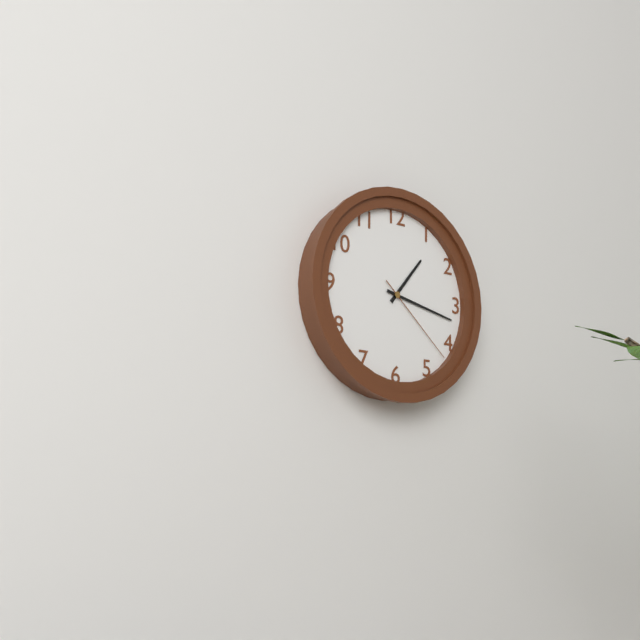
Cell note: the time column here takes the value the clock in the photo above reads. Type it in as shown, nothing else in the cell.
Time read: 1:17:22
